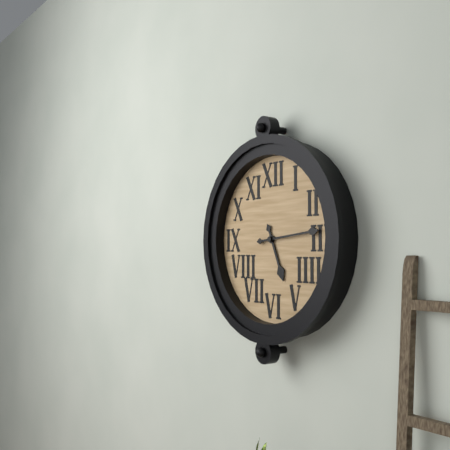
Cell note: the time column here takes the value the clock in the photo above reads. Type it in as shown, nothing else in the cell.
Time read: 5:14
